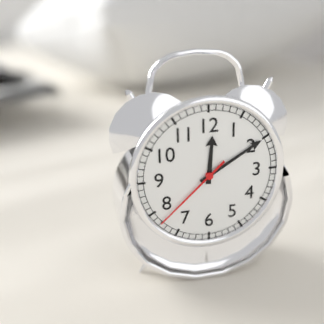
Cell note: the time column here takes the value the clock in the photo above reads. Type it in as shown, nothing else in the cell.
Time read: 12:10:38
